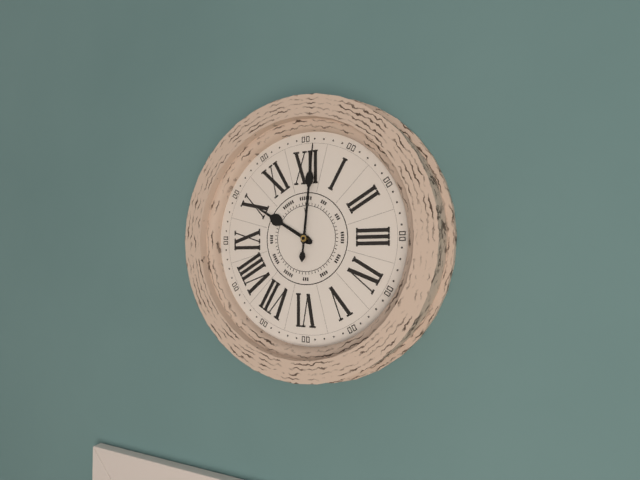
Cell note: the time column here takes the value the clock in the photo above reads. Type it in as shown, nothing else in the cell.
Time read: 10:01
